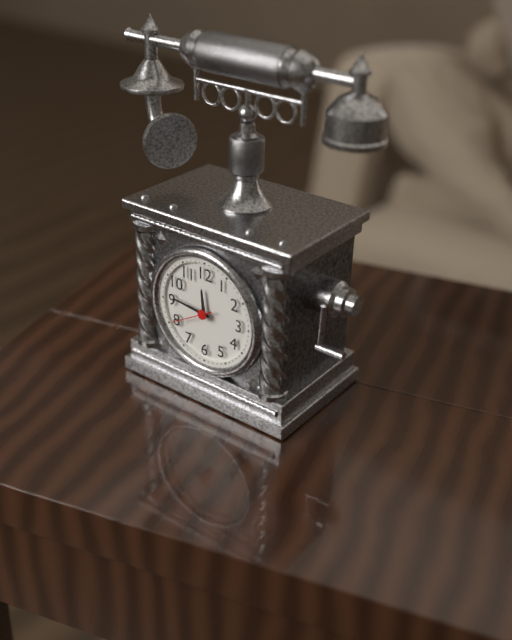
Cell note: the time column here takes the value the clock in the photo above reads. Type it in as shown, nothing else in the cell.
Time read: 11:46
